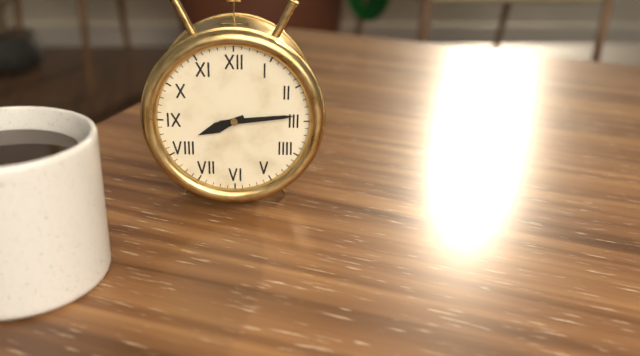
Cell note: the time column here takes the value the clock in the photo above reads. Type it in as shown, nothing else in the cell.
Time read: 8:14
